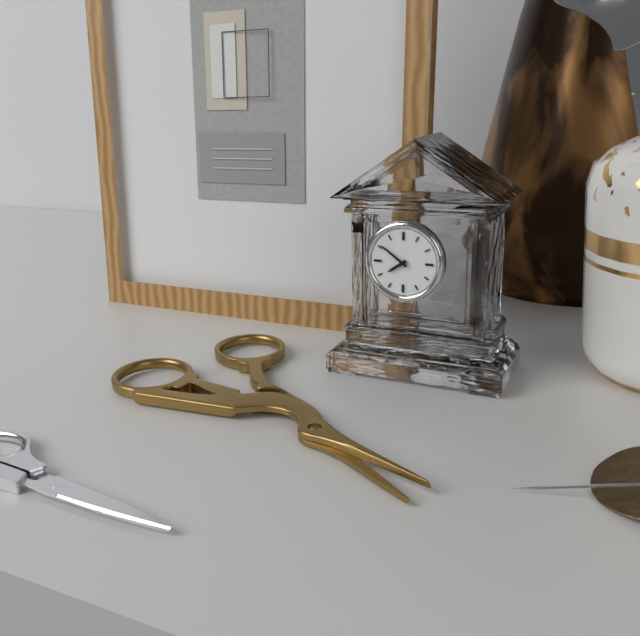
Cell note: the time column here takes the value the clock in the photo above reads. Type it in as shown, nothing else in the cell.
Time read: 7:51
